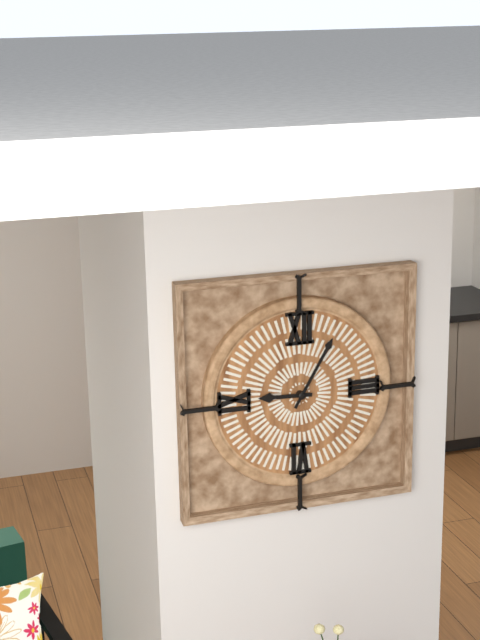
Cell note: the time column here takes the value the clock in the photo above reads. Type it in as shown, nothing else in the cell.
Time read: 9:05
